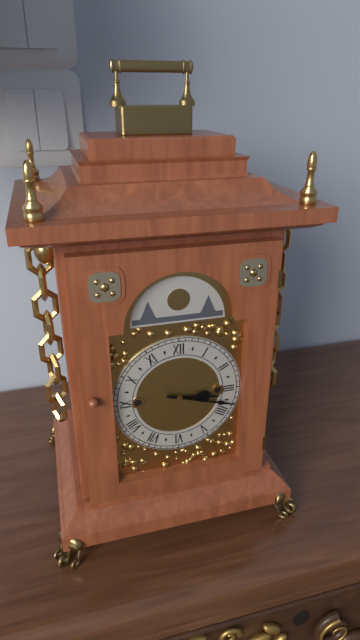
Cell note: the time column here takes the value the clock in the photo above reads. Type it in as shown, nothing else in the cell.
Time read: 3:18
